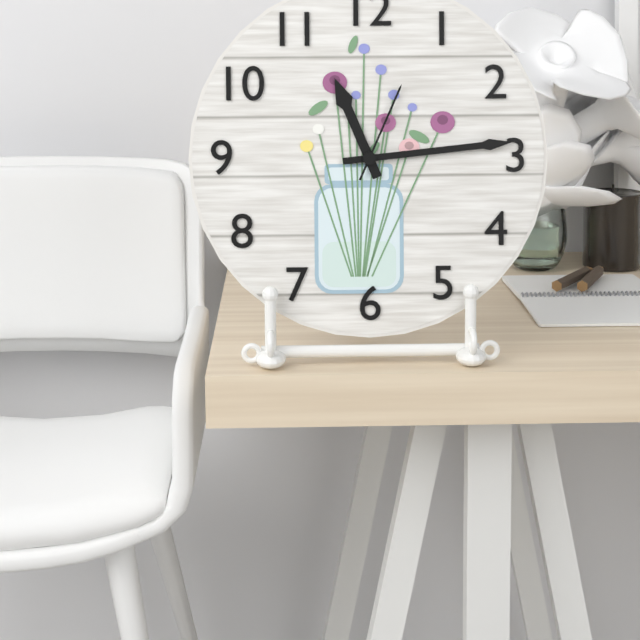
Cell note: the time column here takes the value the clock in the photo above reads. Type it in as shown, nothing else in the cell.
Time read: 11:14:04
